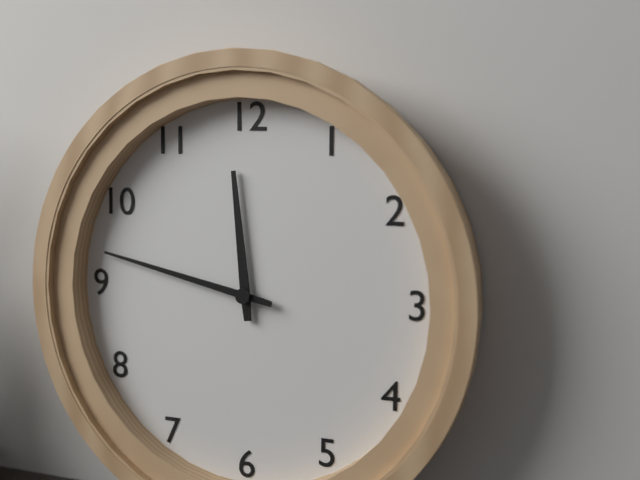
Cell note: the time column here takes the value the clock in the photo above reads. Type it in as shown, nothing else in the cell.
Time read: 11:47
